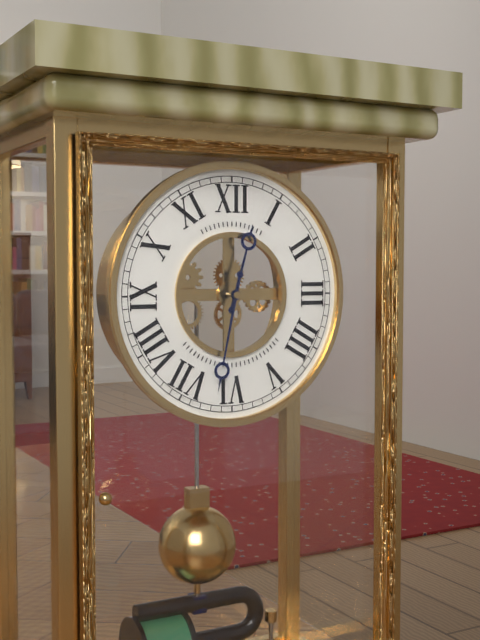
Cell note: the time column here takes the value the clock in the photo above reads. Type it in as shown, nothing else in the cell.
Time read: 12:32
